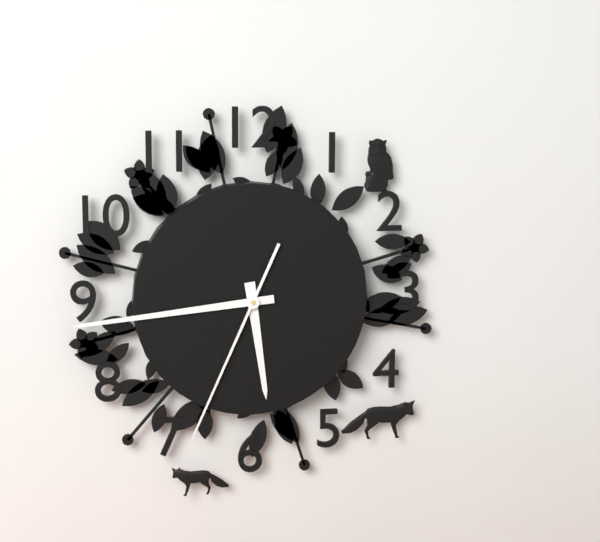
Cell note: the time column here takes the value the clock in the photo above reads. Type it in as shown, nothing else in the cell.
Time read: 5:44:34
